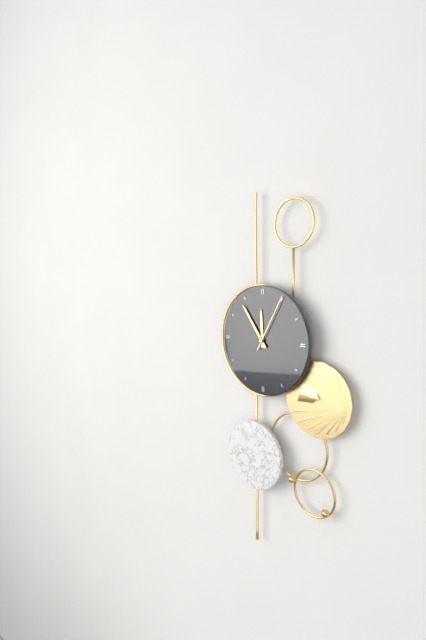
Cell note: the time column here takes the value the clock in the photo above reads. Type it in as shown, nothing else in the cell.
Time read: 11:54:05
